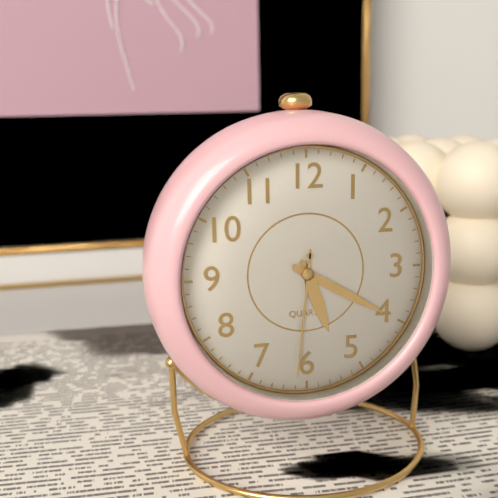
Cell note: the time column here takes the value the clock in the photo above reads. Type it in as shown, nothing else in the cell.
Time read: 5:20:31
